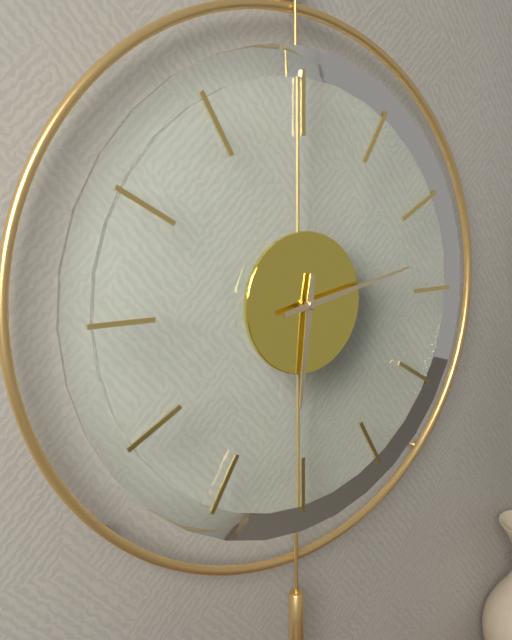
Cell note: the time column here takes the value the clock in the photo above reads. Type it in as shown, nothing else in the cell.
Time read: 6:13
